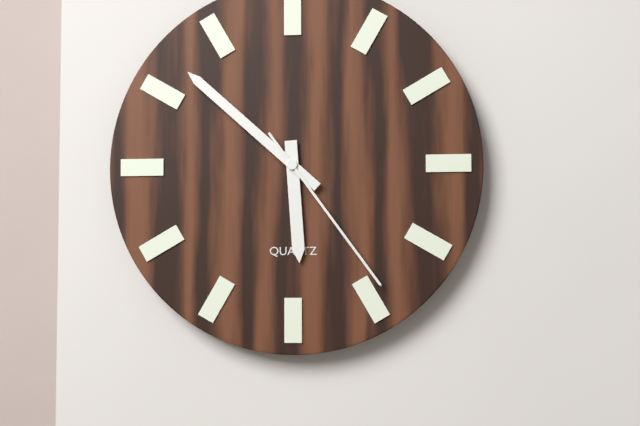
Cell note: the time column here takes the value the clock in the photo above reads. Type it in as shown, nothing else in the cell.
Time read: 5:52:24
